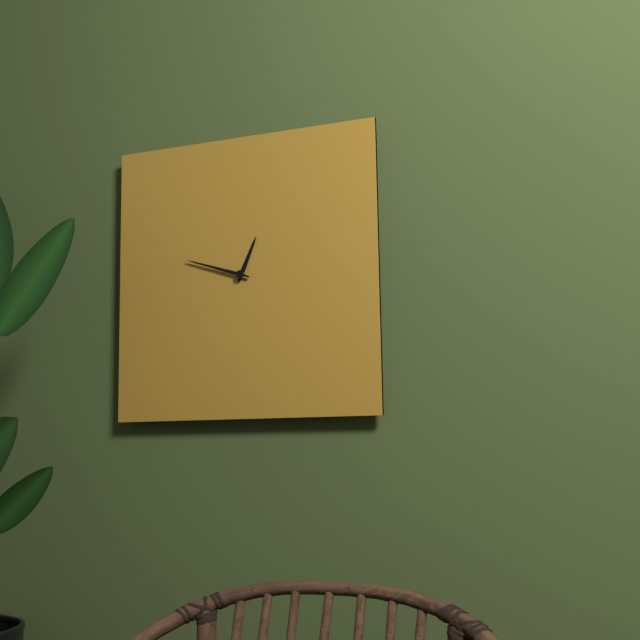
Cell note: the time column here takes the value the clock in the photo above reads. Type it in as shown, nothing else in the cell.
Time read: 12:48
